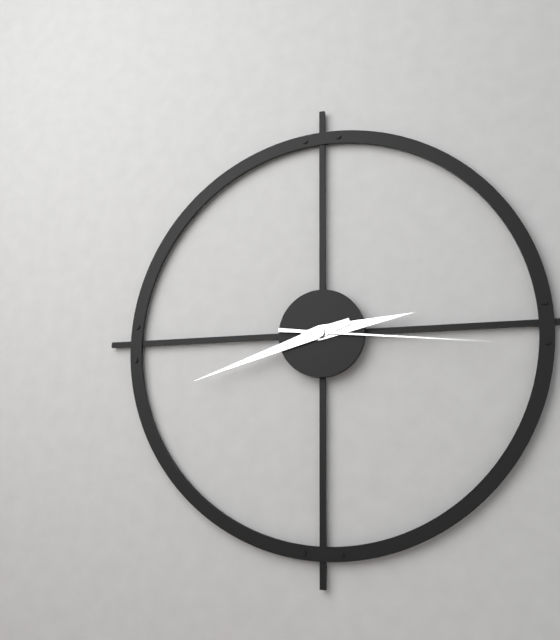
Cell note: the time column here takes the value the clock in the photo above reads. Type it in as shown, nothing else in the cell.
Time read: 2:42:16
